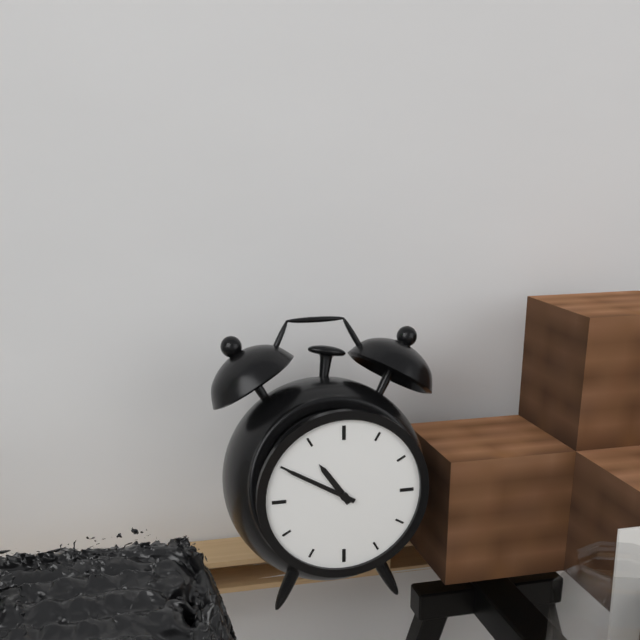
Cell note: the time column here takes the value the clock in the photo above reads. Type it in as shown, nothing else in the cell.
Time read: 10:50
